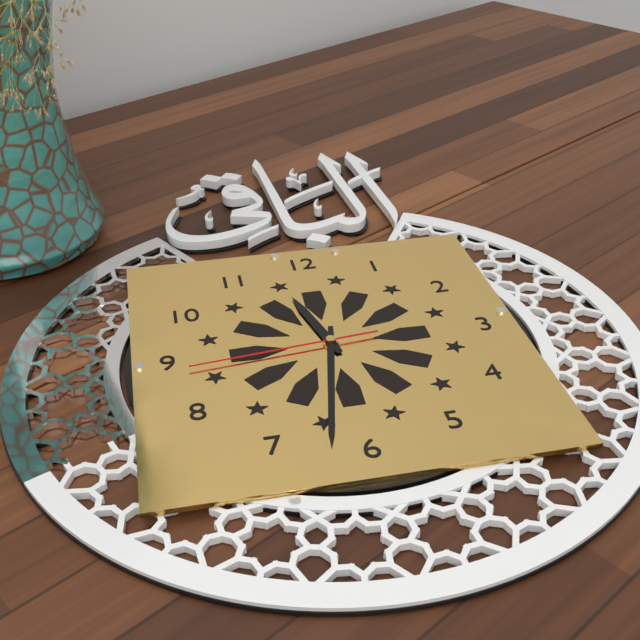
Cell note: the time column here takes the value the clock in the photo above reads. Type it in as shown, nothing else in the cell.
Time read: 11:32:44
